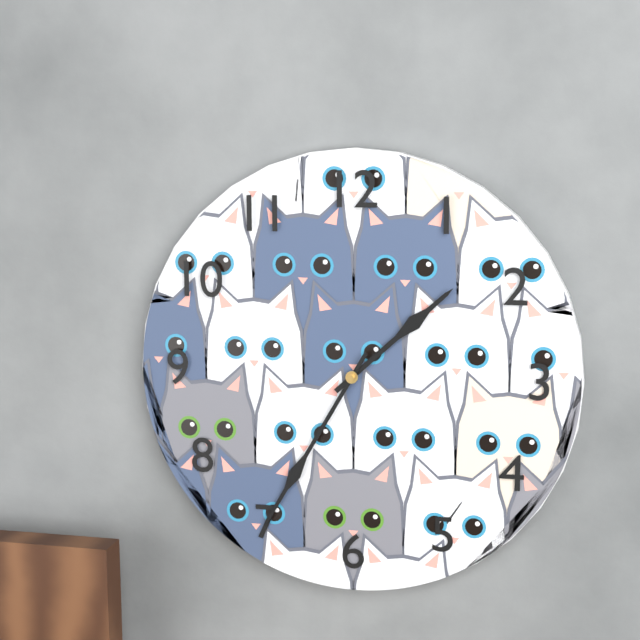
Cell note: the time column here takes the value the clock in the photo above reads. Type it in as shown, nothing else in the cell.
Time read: 1:35
